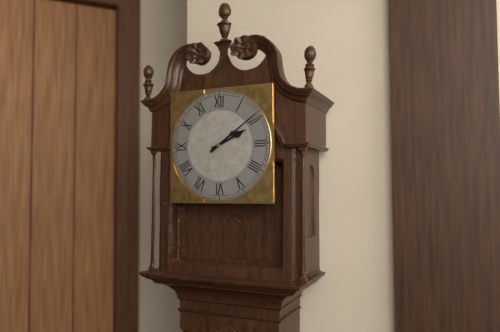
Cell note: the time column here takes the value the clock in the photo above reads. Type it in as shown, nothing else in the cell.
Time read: 2:09
